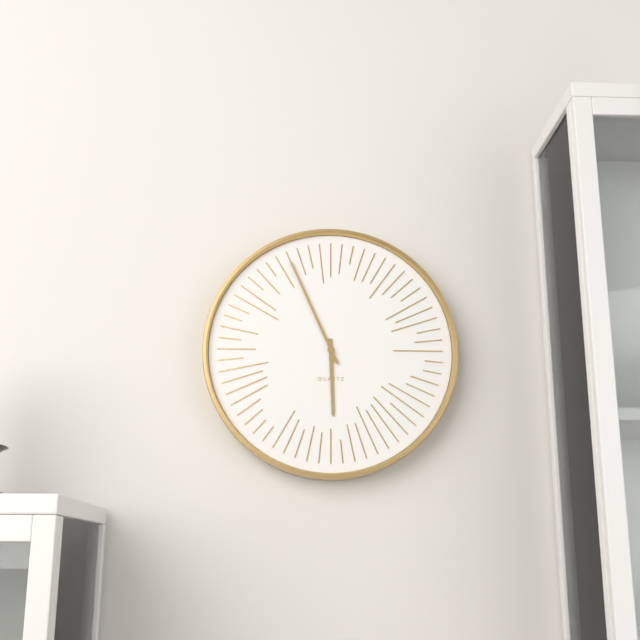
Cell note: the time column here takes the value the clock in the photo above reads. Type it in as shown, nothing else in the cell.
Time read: 5:56
